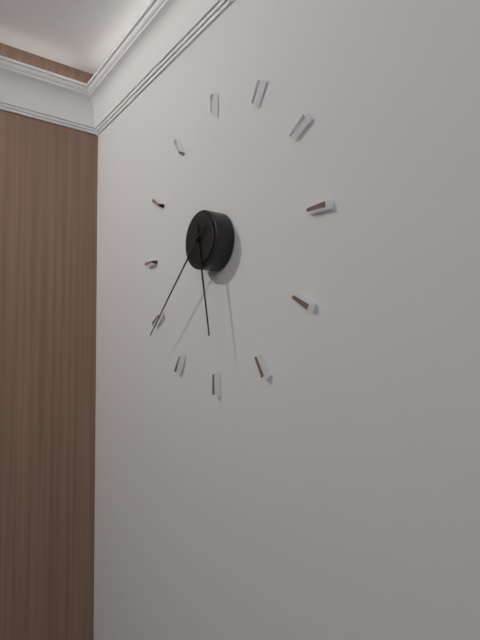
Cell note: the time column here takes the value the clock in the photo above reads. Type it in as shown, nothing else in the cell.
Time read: 5:38
